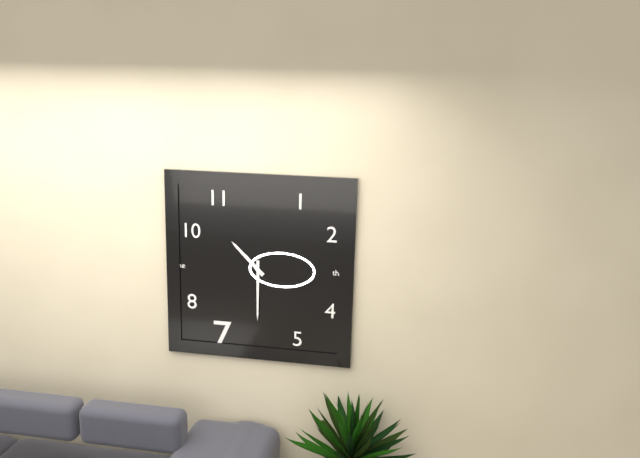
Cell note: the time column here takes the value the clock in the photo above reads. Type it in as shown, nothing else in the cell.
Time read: 10:30
